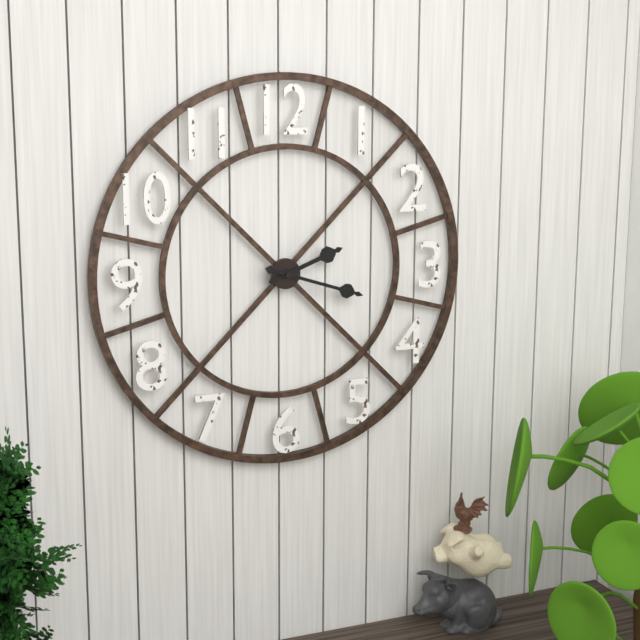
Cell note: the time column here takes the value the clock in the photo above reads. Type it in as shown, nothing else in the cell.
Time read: 2:18
